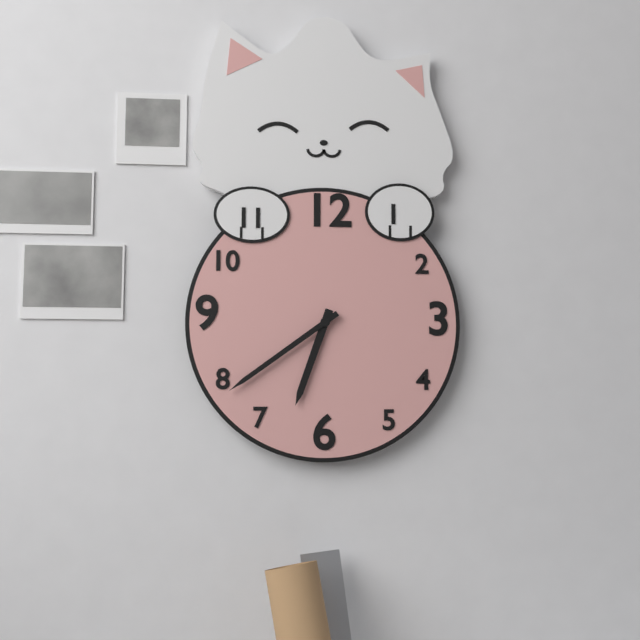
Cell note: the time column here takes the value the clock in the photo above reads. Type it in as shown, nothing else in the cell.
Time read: 6:39
